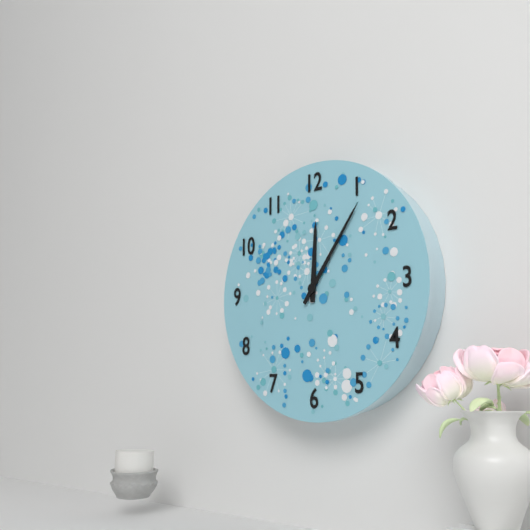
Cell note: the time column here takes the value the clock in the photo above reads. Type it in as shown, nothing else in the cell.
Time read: 12:06
